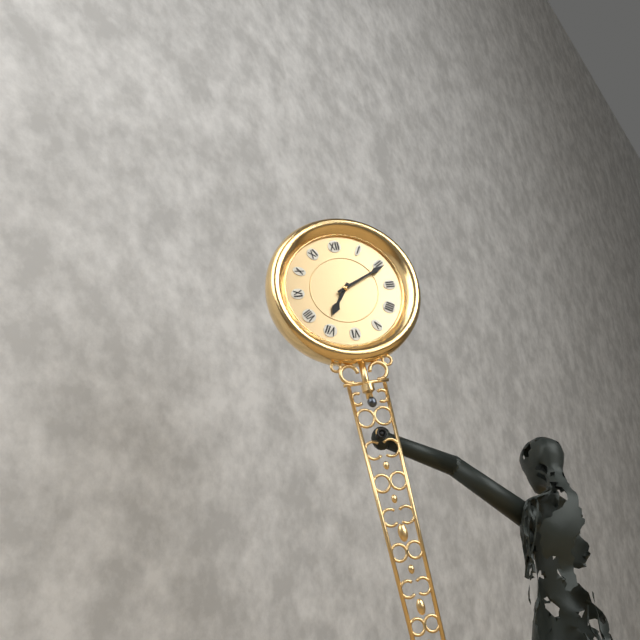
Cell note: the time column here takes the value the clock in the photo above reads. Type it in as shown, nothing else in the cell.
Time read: 7:11
